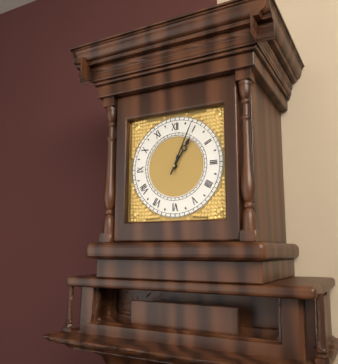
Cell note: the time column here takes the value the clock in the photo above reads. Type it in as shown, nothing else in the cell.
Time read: 1:04
